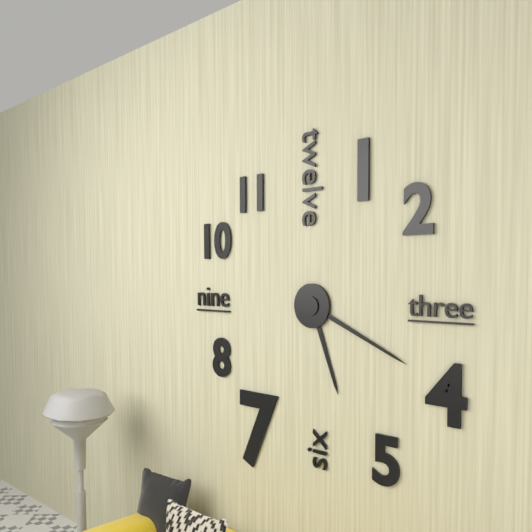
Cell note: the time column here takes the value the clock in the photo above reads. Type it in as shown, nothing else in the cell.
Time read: 5:19
